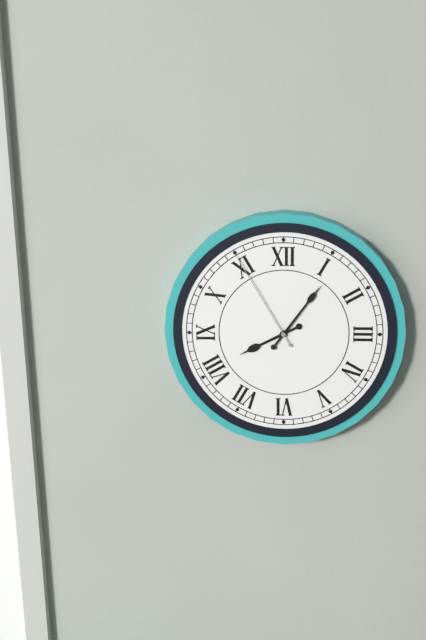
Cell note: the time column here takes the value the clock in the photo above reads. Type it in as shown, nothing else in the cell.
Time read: 8:06:55
